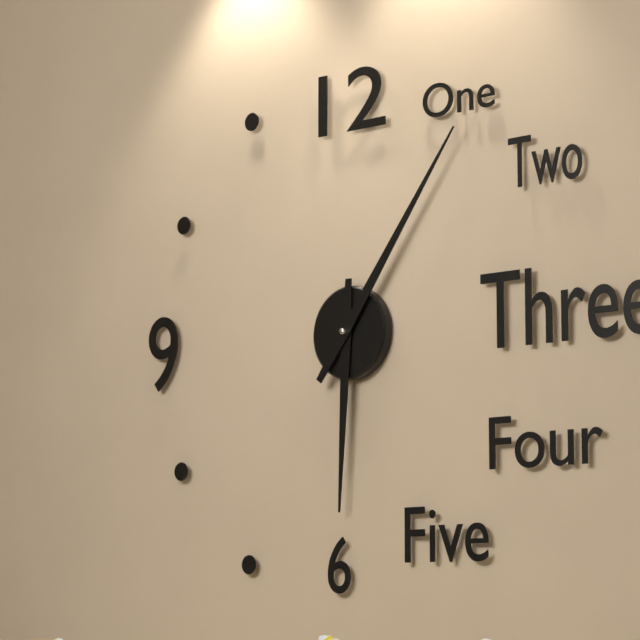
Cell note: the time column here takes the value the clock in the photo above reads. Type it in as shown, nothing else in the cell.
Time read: 6:06
